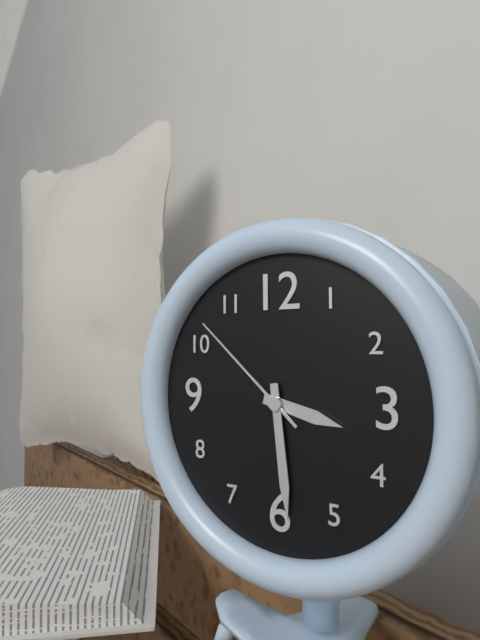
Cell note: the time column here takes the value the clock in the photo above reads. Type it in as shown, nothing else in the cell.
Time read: 3:29:52
